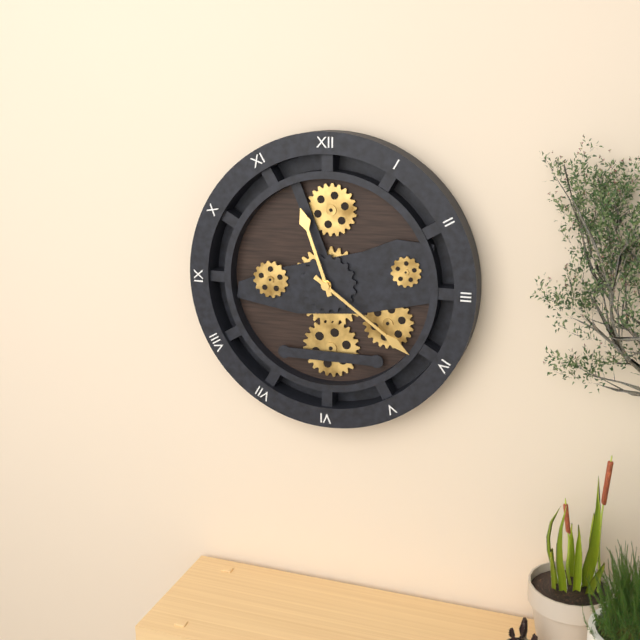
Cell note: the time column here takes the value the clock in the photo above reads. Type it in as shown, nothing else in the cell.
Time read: 11:21
